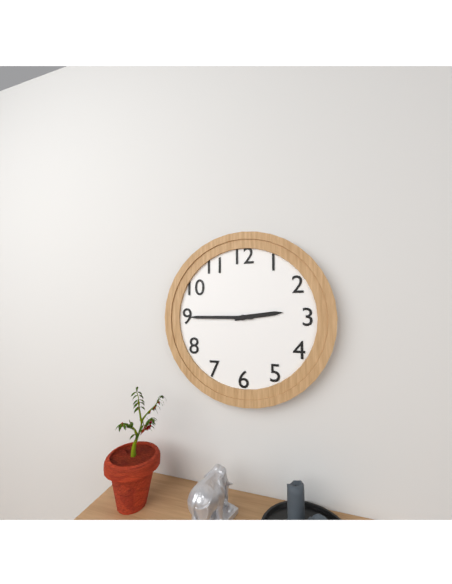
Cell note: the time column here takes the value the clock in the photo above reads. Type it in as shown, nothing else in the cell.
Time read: 2:45
